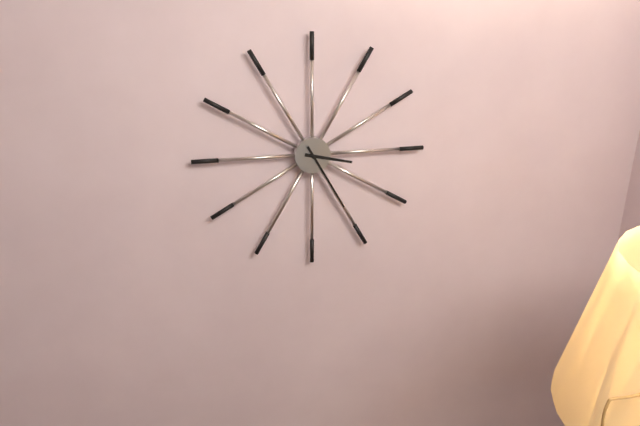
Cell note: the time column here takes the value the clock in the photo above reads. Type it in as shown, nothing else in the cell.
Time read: 3:25
